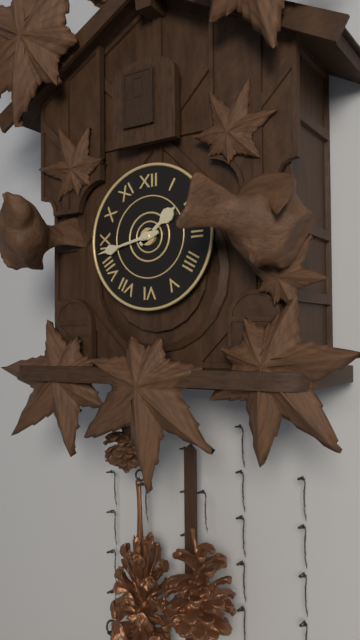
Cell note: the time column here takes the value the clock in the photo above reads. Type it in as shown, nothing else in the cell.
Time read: 1:43
